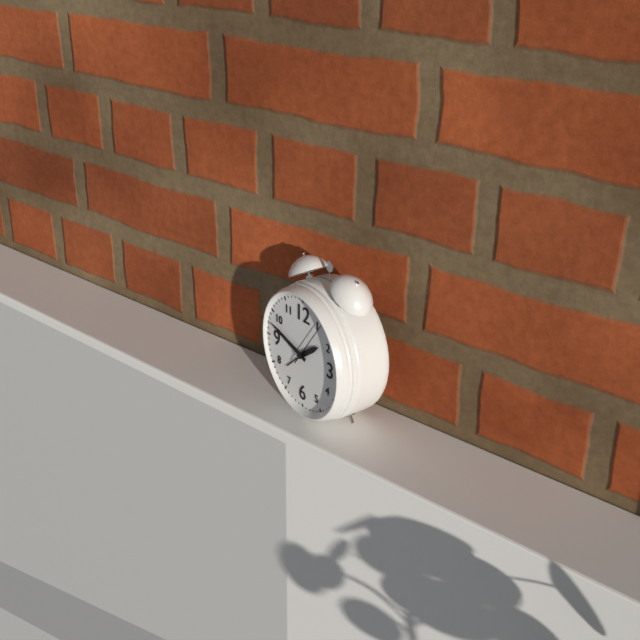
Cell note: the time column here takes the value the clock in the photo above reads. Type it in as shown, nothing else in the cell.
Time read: 1:48
